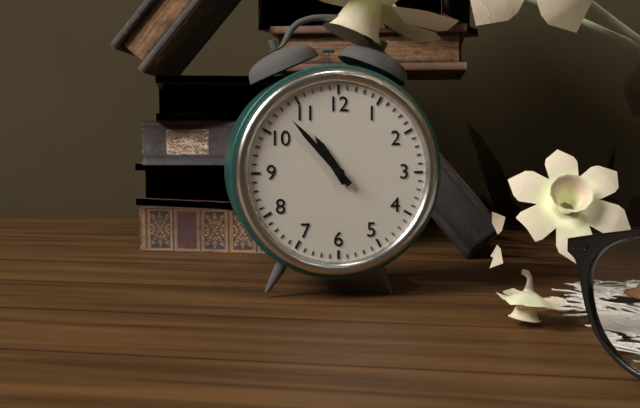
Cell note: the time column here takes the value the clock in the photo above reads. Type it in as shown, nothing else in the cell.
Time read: 10:53
